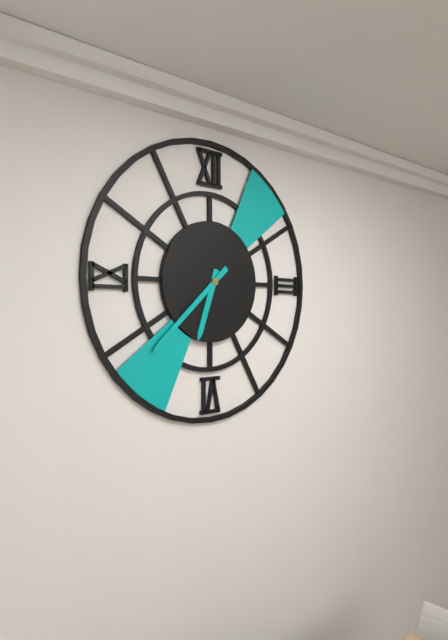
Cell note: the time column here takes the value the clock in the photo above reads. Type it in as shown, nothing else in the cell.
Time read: 6:38
